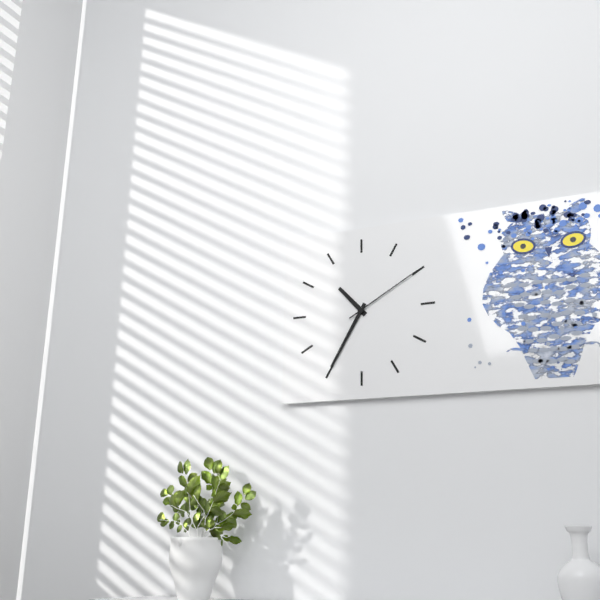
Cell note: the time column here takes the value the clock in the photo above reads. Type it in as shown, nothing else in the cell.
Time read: 10:35:10
